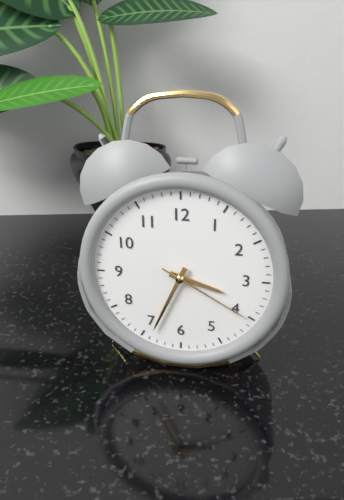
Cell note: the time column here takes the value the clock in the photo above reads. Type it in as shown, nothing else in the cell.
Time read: 3:34:20
